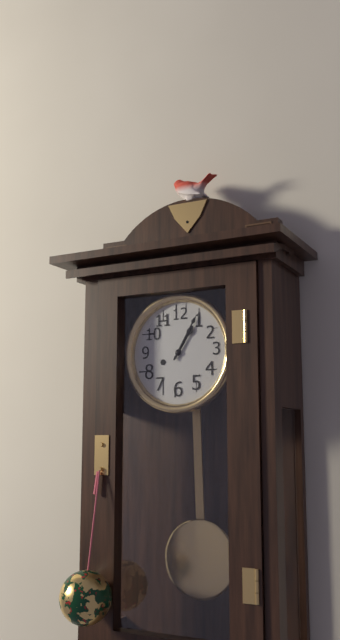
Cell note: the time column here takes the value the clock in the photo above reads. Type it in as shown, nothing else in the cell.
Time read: 1:05
